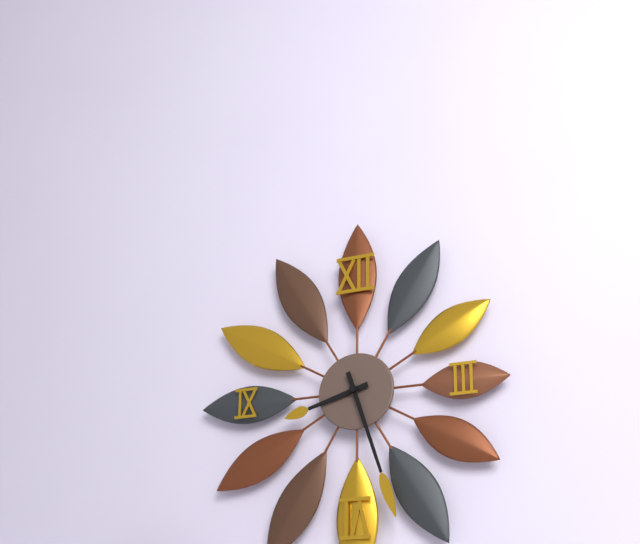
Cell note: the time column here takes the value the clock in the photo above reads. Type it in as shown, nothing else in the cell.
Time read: 8:27
